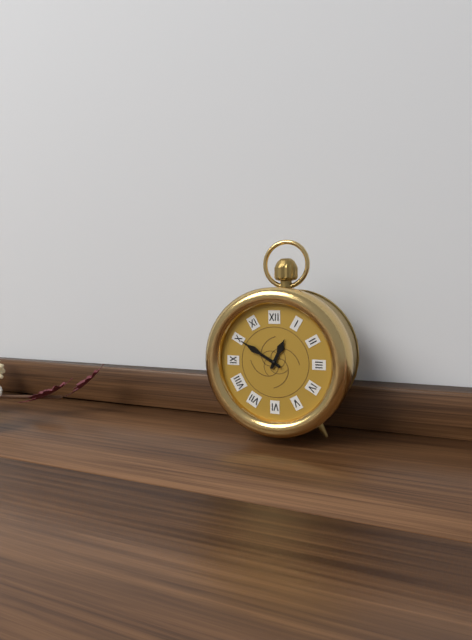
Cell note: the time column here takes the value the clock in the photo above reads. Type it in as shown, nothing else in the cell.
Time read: 12:50
